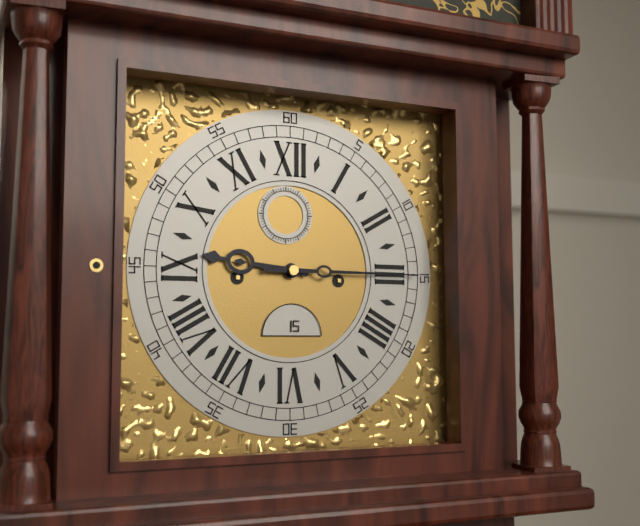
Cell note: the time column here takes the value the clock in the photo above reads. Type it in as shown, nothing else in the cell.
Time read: 9:15
